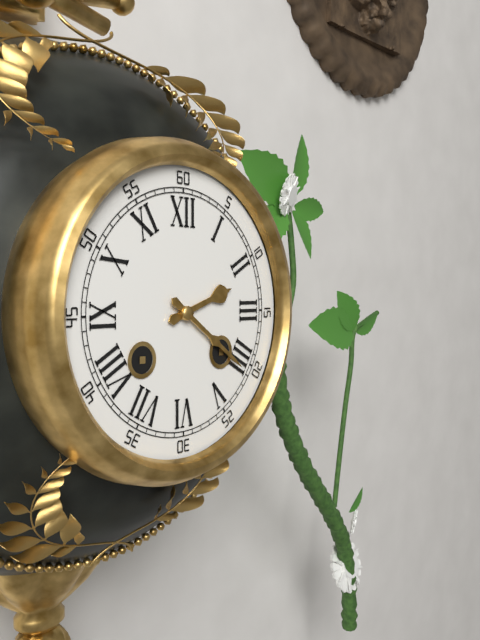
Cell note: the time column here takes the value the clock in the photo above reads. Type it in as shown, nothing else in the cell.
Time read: 2:21
